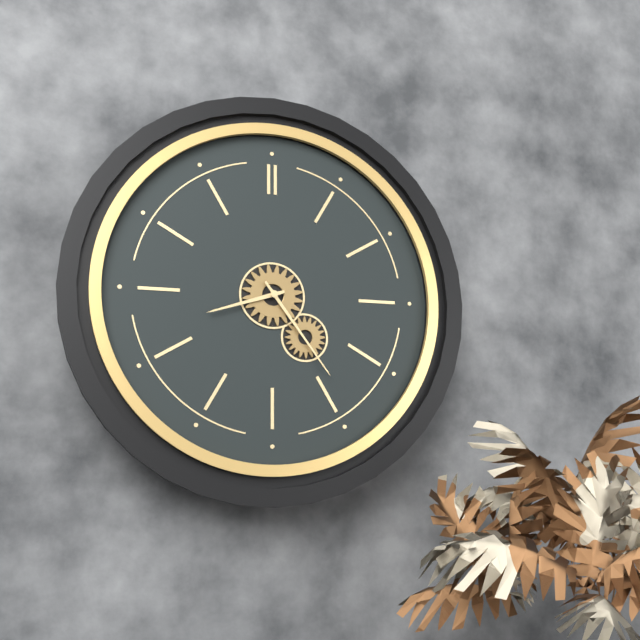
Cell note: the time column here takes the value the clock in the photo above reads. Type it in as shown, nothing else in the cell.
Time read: 8:24
